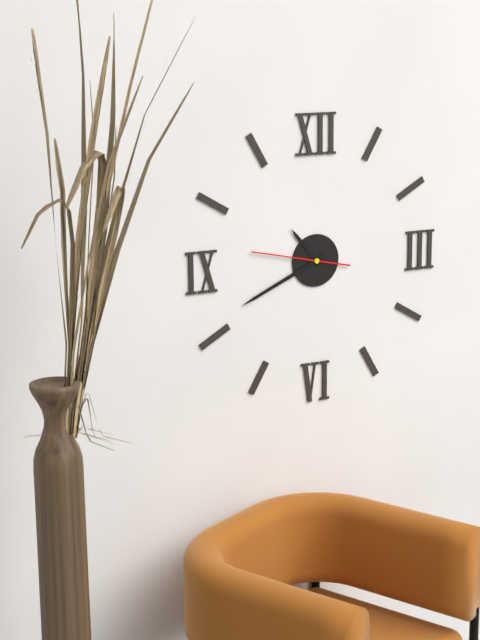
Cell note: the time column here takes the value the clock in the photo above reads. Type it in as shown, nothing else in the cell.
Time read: 10:41:47
